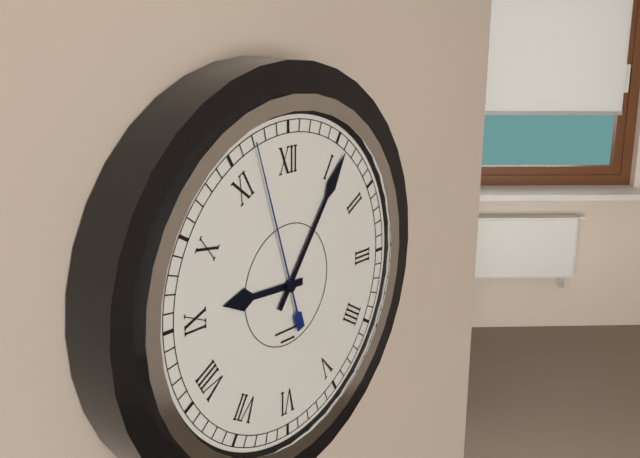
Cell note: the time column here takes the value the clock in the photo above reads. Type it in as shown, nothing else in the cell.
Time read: 9:06:57
